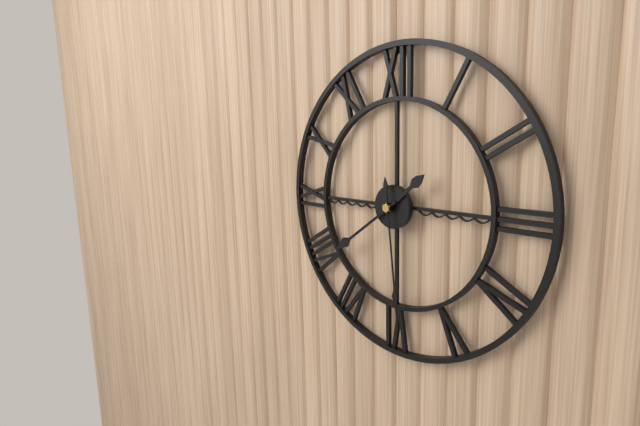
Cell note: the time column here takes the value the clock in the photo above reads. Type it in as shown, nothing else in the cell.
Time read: 1:39:29
